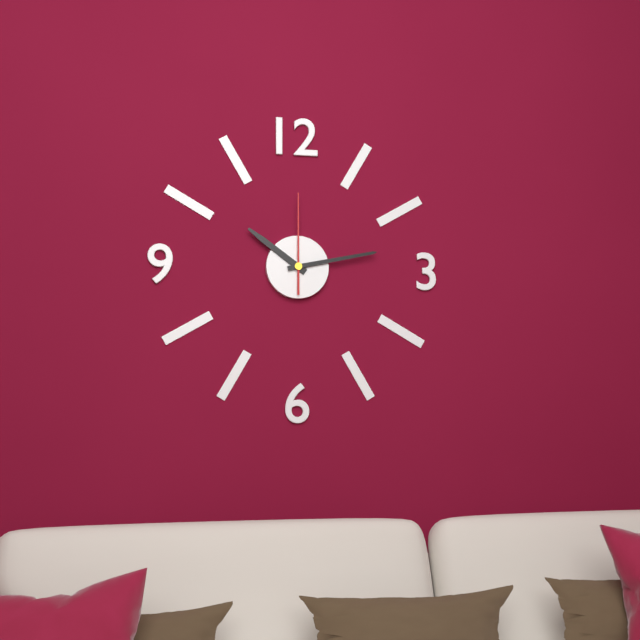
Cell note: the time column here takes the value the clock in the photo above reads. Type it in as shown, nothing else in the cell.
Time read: 10:13:00
